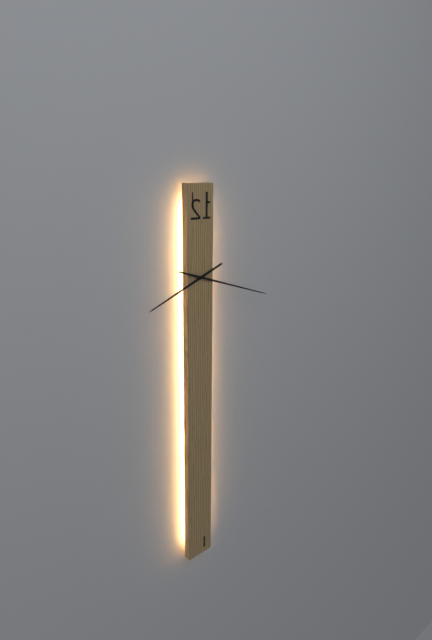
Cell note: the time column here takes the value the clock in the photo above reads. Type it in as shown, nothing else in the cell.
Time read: 8:18
